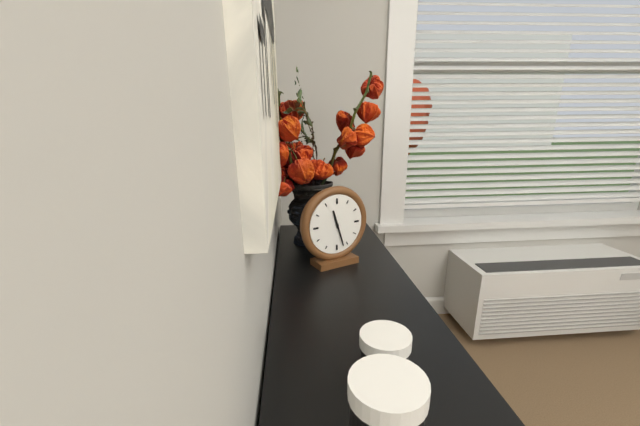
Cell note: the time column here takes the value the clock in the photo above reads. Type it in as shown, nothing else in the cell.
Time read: 11:27
